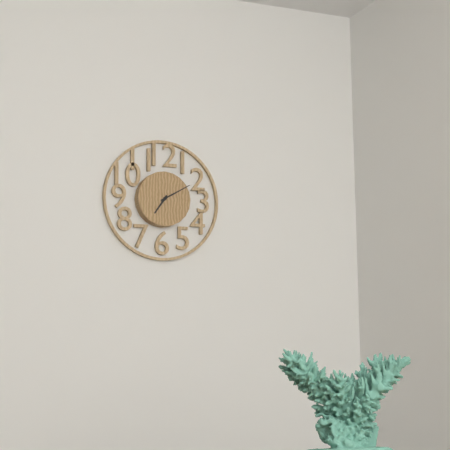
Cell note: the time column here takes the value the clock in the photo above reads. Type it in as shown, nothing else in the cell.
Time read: 7:10
